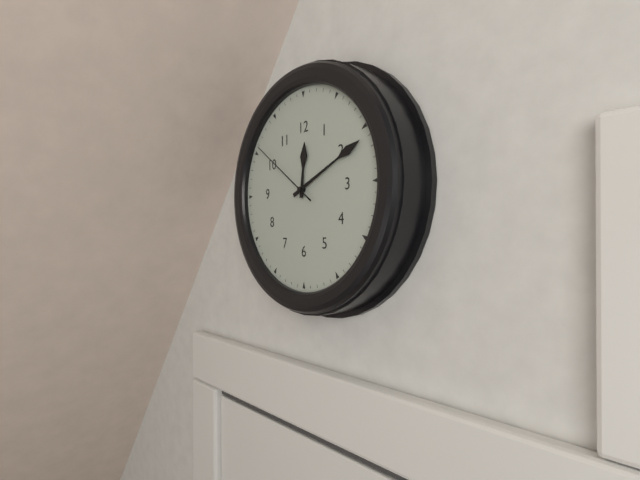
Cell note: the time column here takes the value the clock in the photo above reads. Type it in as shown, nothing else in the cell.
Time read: 12:11:51
